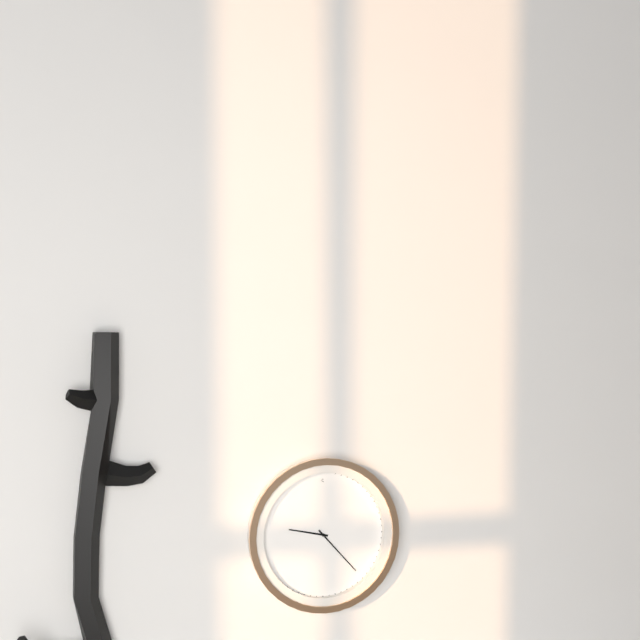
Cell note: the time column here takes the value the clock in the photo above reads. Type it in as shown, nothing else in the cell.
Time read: 9:23
